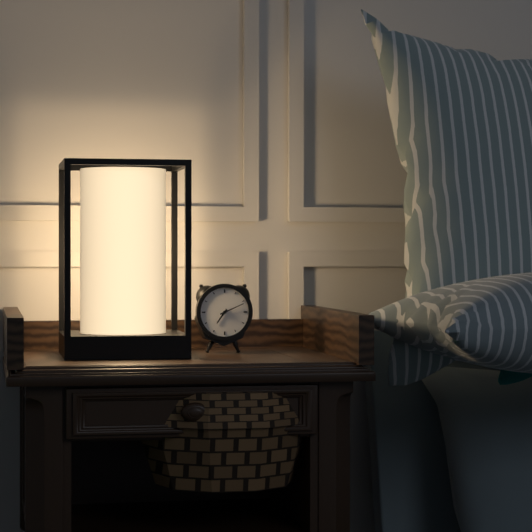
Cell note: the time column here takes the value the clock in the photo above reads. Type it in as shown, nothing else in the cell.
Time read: 7:11
